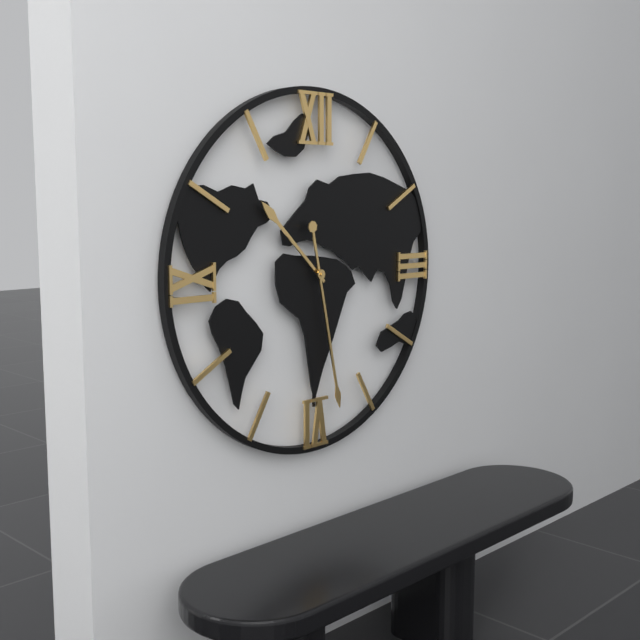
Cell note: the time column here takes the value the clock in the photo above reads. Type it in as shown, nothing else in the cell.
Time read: 10:28
